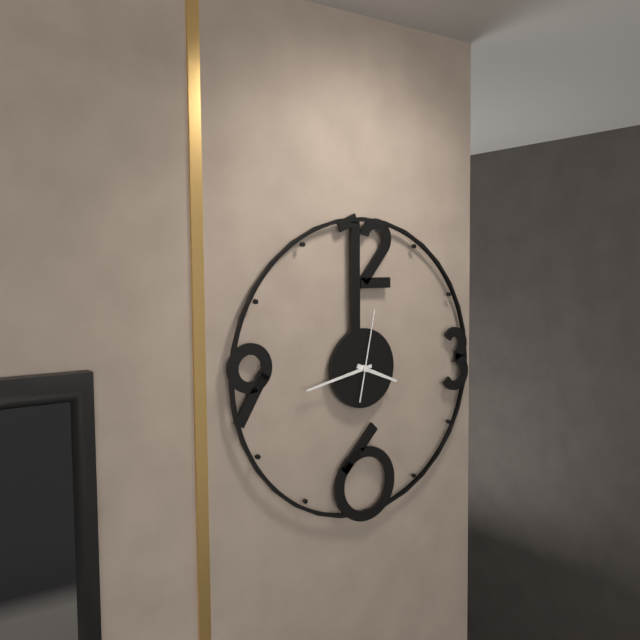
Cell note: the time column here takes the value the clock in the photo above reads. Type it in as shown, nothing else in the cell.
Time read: 3:43:02
